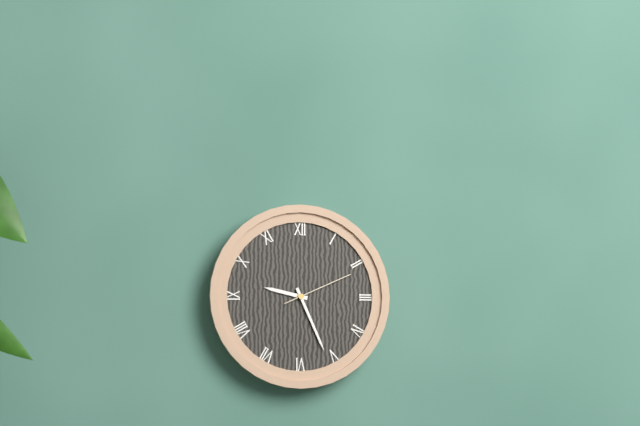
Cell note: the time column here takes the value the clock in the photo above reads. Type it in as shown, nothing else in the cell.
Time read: 9:26:11
